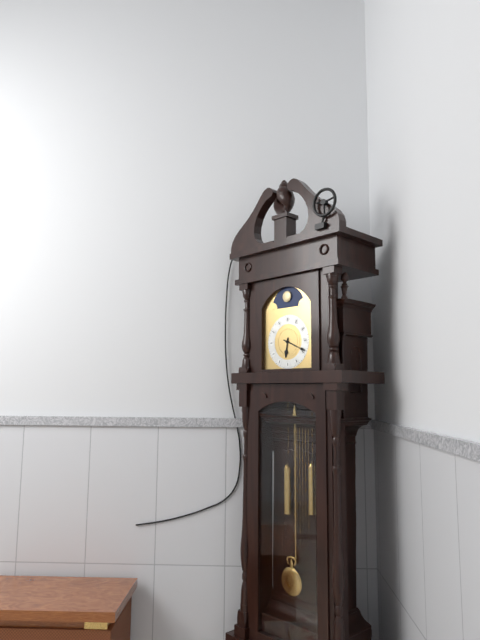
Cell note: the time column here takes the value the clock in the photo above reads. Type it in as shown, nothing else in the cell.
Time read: 6:19
